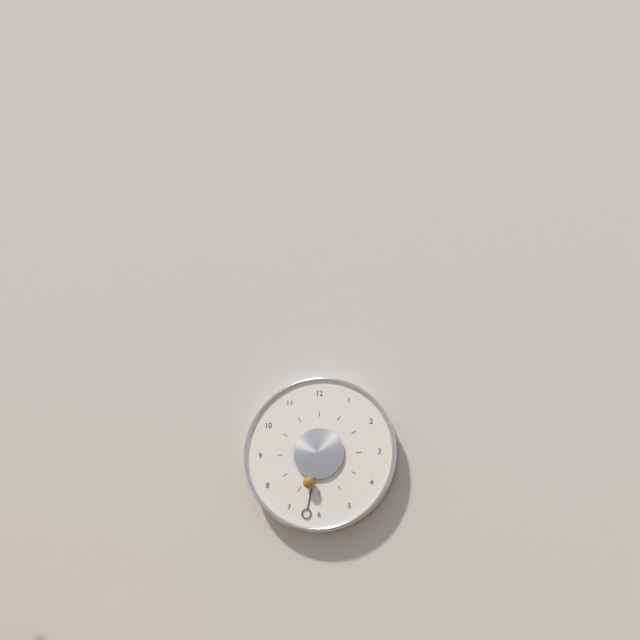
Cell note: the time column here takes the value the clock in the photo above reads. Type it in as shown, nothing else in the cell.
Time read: 6:32
